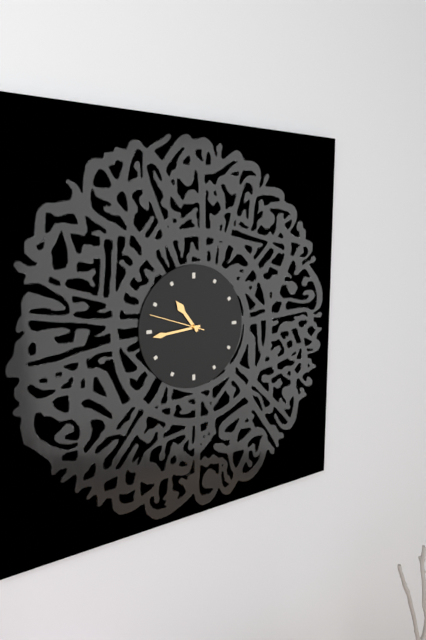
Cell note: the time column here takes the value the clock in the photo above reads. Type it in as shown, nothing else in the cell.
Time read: 10:44:48
